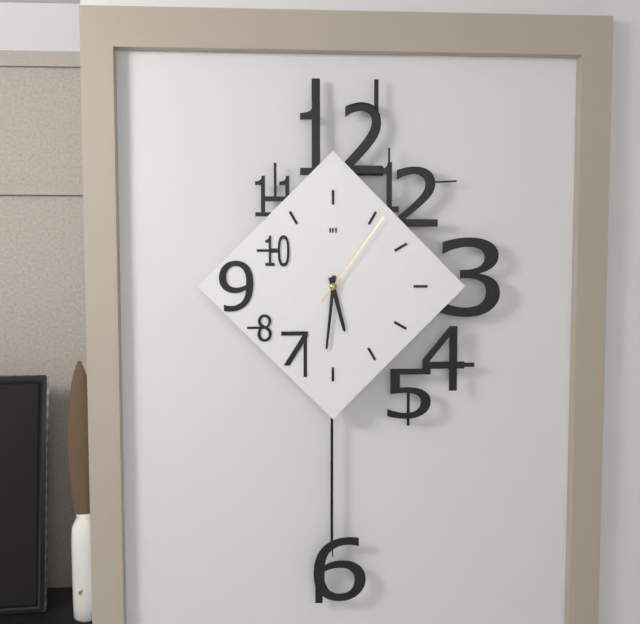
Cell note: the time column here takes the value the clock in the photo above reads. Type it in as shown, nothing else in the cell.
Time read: 5:31:06
